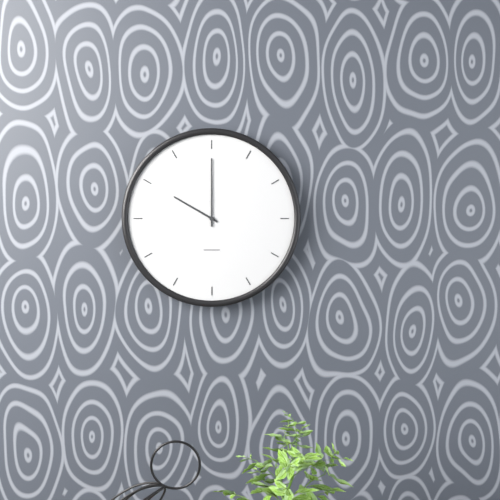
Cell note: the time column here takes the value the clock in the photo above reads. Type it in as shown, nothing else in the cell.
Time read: 10:00
